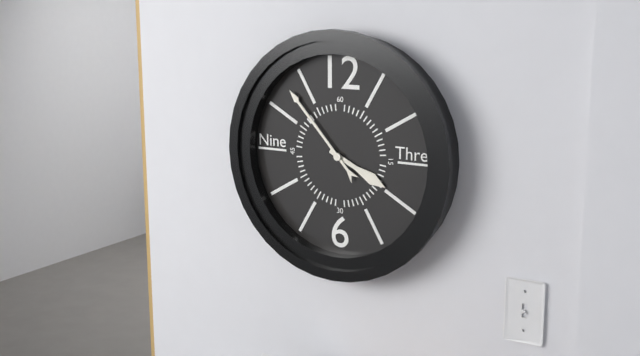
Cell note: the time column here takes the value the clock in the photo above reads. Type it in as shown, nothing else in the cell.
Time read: 3:53
